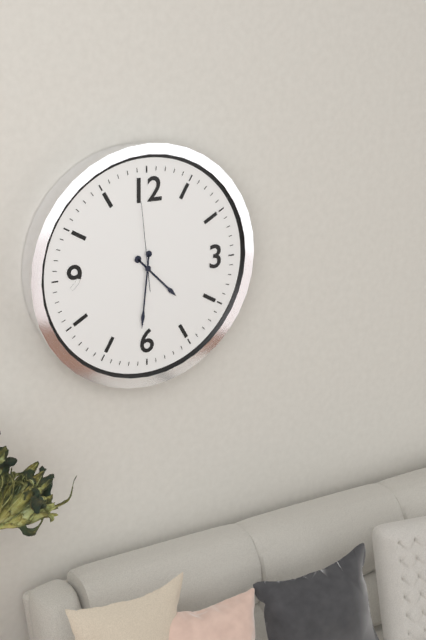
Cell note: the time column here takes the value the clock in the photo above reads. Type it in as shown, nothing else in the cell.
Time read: 4:31:59
